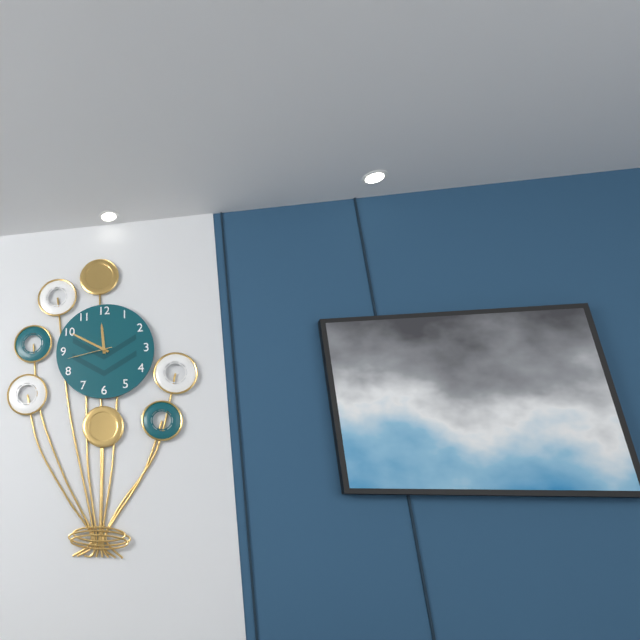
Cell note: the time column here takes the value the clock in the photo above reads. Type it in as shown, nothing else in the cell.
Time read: 11:50
